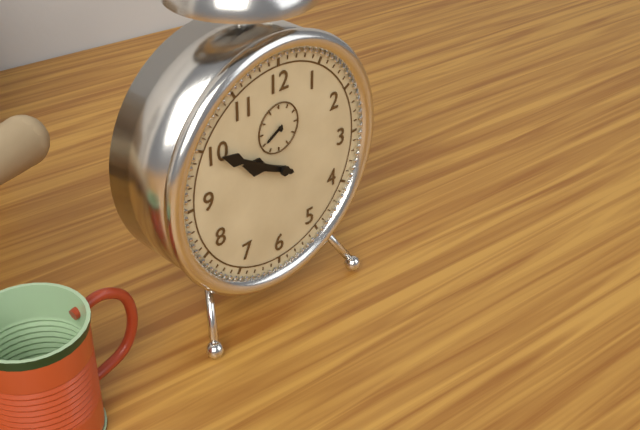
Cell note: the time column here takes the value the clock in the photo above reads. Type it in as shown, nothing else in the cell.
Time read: 9:50
